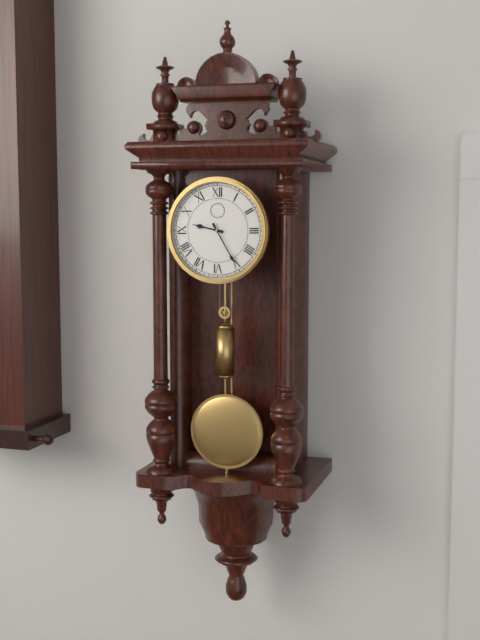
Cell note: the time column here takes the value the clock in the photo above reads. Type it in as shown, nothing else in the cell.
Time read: 9:25
